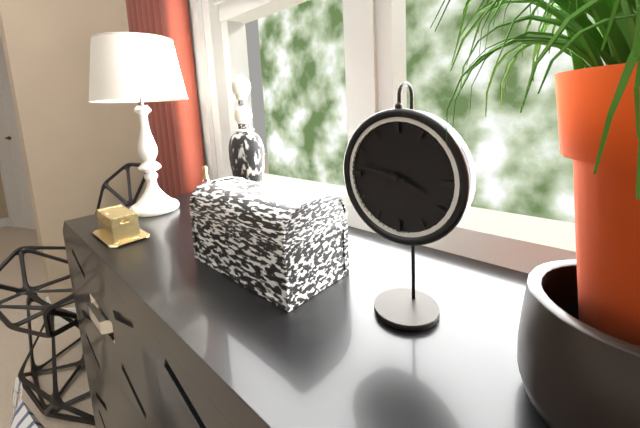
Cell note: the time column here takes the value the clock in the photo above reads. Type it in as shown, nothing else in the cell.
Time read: 3:47
